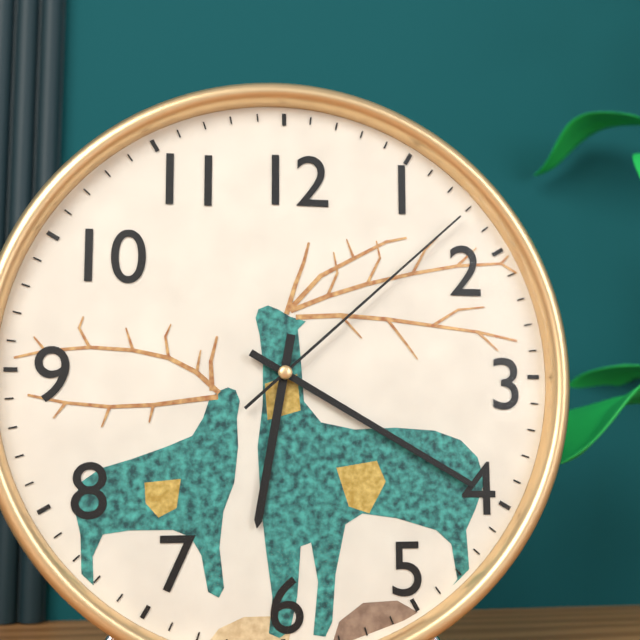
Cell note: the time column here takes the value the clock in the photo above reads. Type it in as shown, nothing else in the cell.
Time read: 6:20:08
